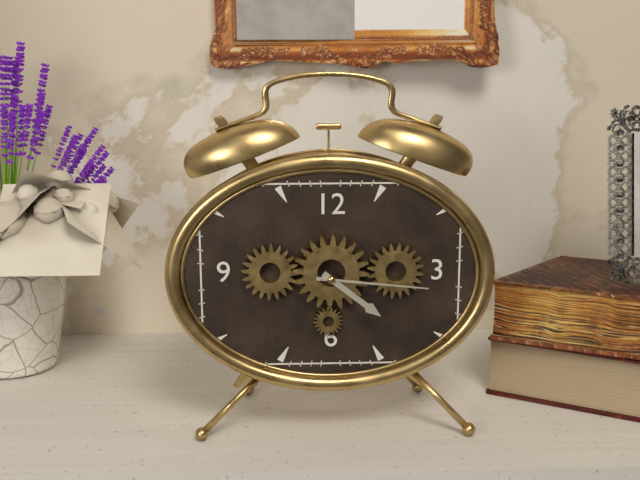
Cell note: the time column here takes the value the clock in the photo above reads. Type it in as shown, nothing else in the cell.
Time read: 4:16
